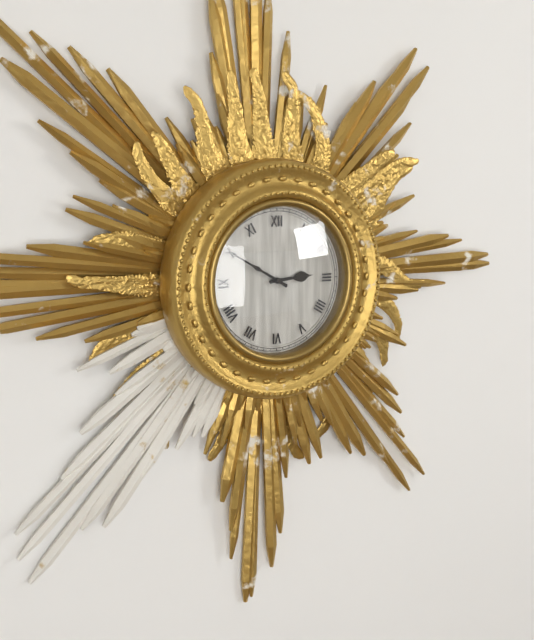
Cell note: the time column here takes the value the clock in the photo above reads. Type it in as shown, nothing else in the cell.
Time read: 2:50
